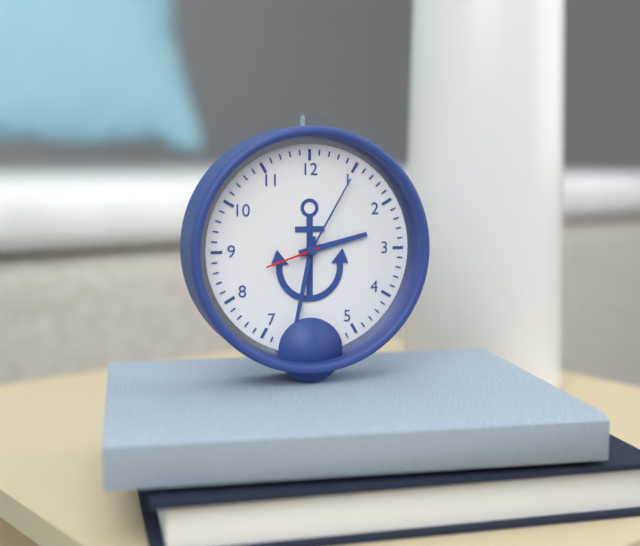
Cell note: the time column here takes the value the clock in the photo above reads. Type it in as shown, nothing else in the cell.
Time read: 2:32:42
